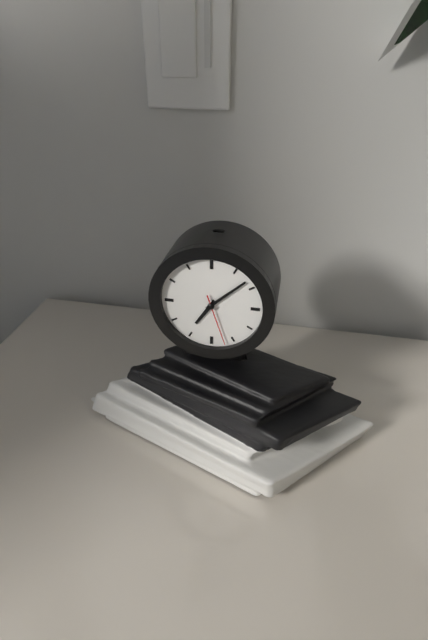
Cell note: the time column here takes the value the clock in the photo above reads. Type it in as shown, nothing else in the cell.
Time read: 7:08:27
